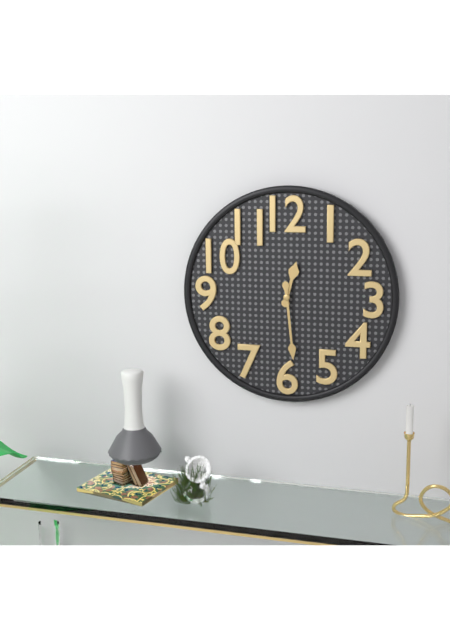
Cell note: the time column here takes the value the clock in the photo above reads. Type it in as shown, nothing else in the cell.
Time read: 12:29
